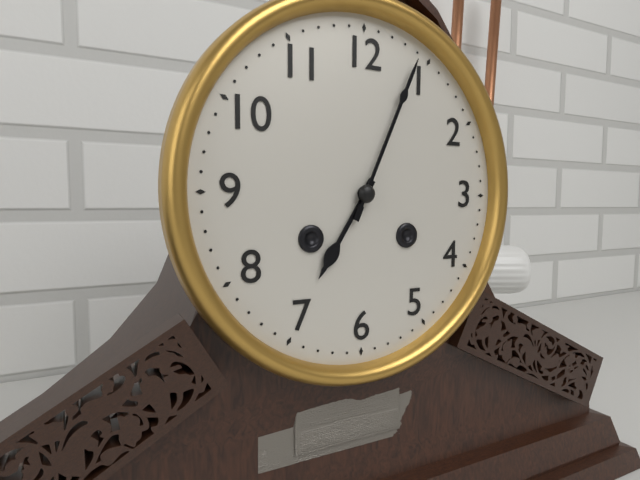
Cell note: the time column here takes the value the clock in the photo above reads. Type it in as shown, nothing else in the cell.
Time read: 7:04
